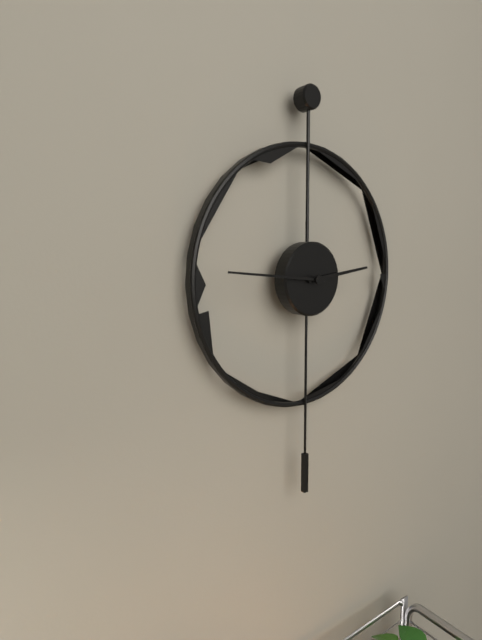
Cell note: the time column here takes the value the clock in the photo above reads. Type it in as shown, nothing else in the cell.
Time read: 2:46
